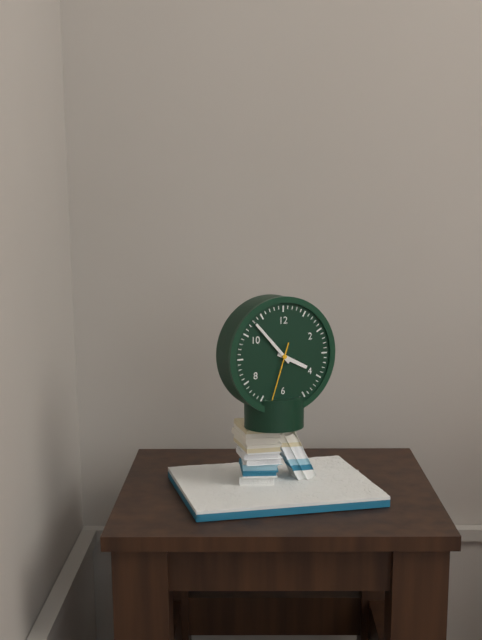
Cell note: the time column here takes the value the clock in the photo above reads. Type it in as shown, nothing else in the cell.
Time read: 3:53:33
